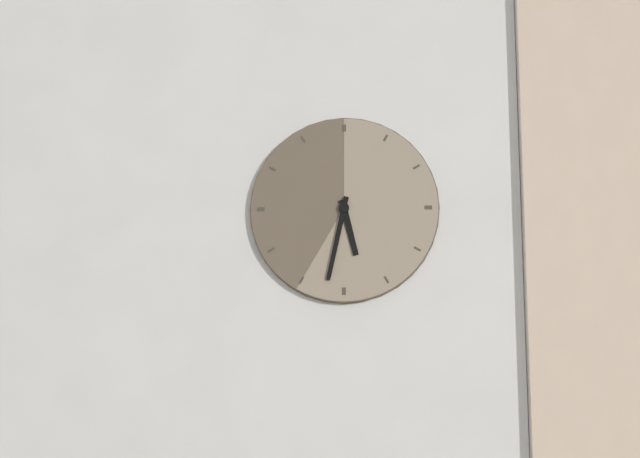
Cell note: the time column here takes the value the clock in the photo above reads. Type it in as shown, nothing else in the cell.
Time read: 5:32
